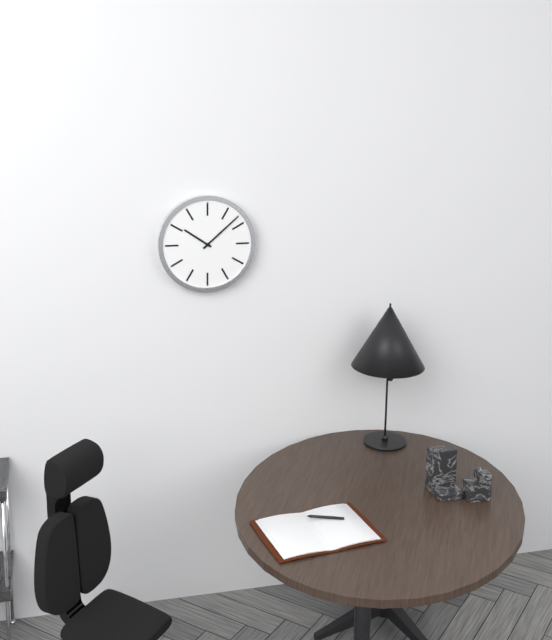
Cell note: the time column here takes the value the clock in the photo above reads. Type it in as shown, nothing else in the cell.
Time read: 10:08
